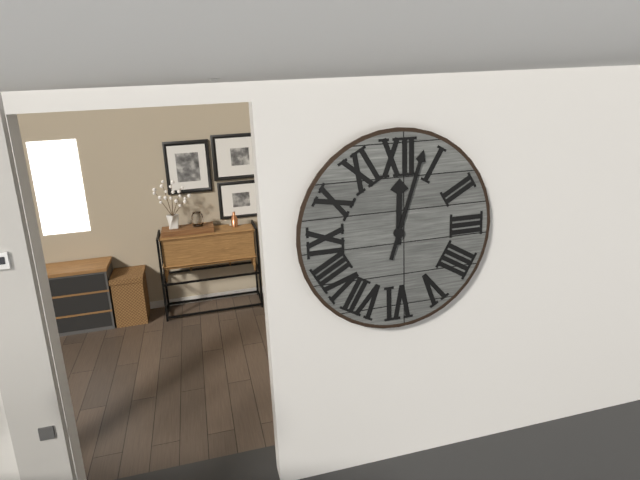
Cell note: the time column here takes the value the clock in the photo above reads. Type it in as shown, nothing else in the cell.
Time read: 12:03
